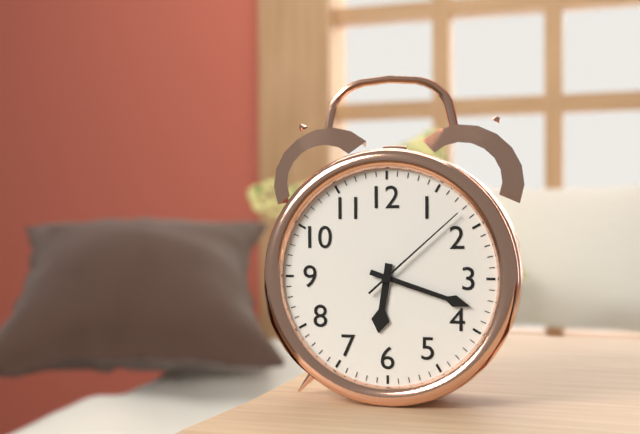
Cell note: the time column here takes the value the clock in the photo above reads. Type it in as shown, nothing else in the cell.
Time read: 6:18:08
